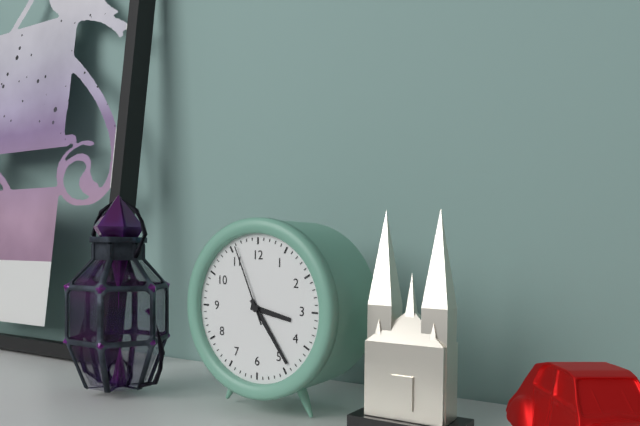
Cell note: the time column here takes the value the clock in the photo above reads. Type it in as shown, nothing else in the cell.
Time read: 3:24:56
